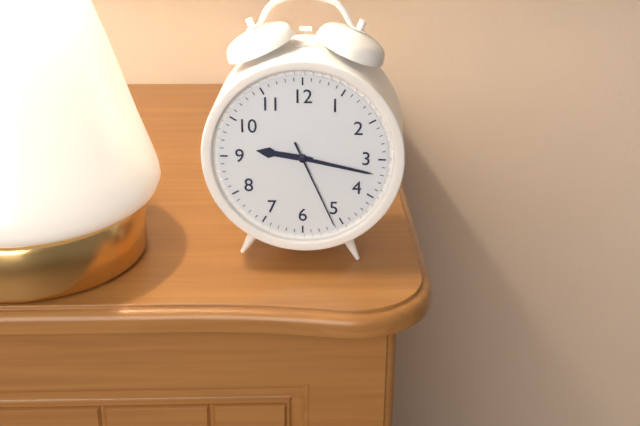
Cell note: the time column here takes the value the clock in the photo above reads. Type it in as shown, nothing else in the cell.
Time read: 9:17:26
